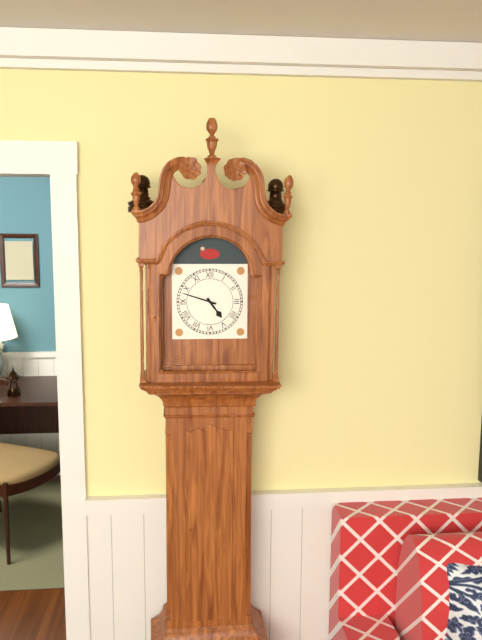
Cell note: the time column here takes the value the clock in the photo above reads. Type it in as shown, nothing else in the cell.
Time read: 4:48
